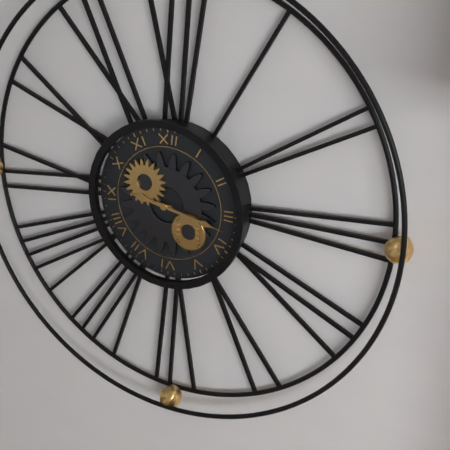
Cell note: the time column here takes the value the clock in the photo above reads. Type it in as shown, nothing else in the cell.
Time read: 9:17
